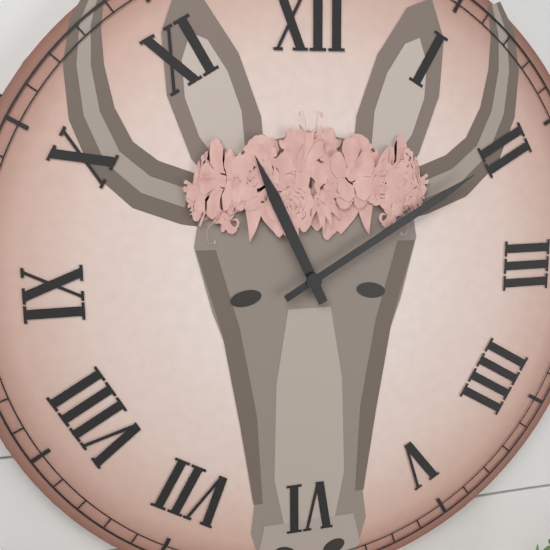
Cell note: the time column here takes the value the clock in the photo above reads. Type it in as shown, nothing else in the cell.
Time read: 11:10
